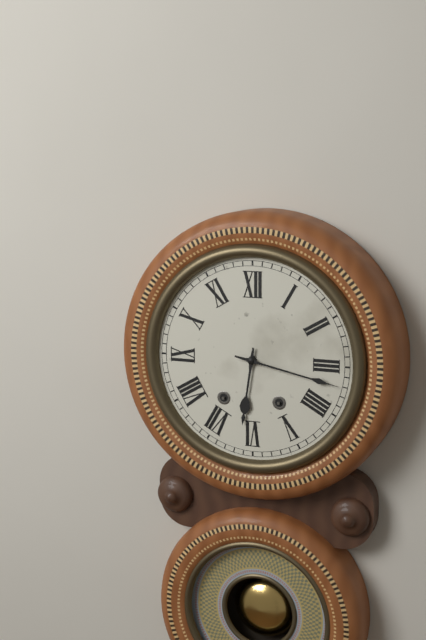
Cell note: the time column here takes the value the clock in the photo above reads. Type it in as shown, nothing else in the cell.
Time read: 6:17
